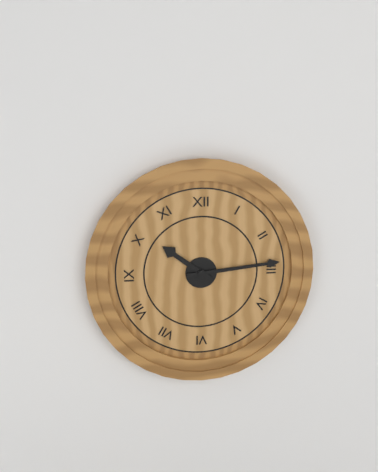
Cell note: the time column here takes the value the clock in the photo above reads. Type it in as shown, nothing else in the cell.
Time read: 10:14
